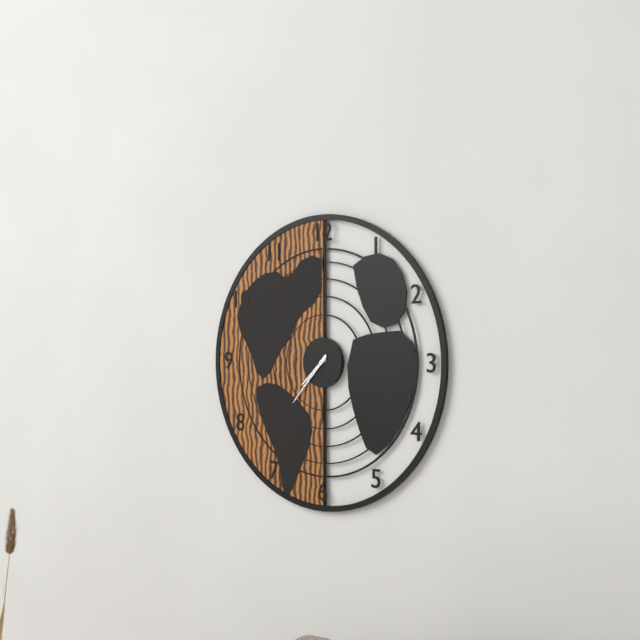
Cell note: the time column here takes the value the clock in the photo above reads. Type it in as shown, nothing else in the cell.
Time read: 7:37
